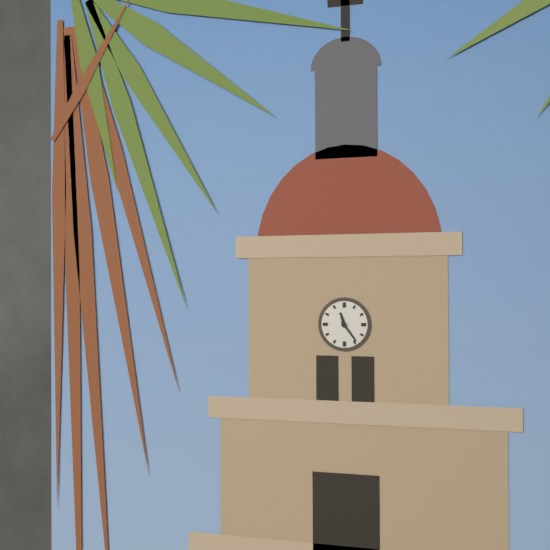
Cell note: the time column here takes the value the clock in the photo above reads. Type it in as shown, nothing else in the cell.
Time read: 11:24
